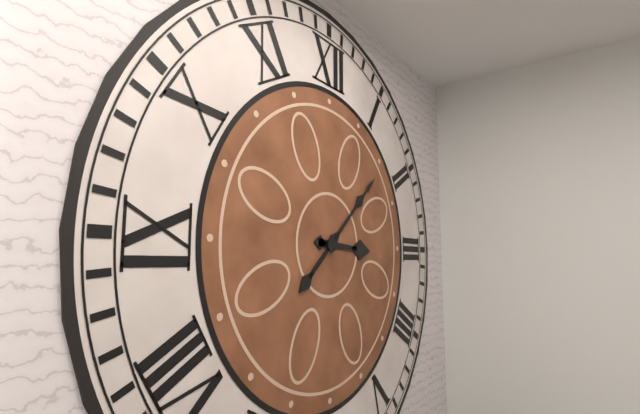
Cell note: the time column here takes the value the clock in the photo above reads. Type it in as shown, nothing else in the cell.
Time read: 3:08
